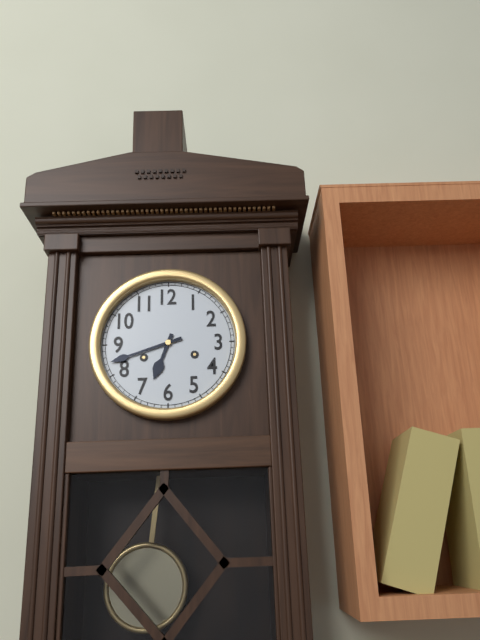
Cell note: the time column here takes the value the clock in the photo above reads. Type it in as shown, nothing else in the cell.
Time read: 6:42
